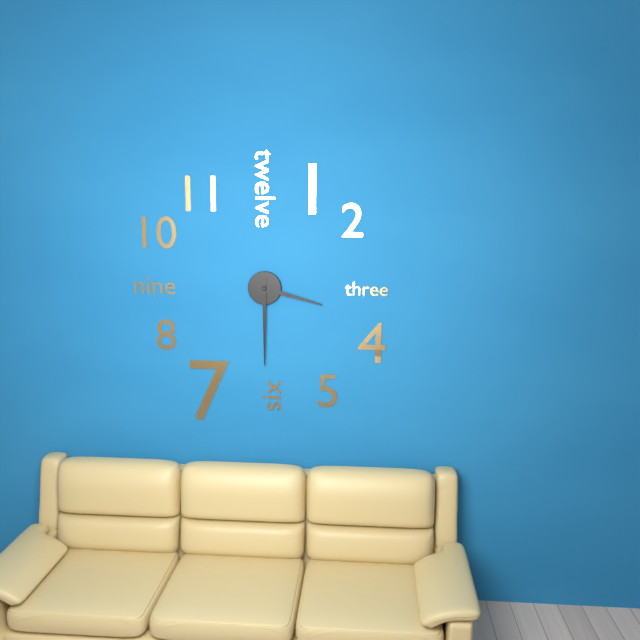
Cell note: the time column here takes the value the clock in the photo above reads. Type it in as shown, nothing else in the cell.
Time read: 3:30
